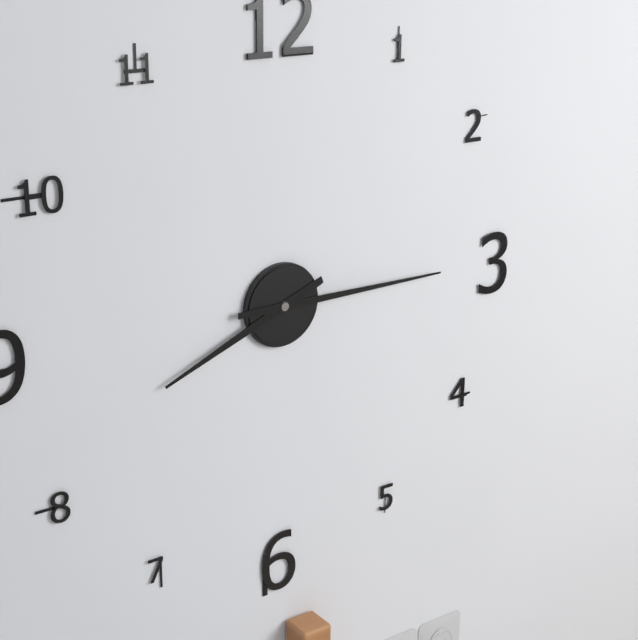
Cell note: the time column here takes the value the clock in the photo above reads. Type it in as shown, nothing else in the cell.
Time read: 8:15
